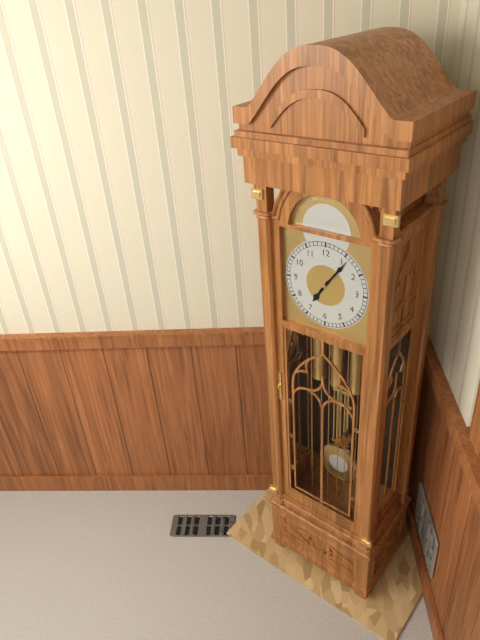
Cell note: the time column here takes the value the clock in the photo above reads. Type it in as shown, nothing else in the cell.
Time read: 7:06
